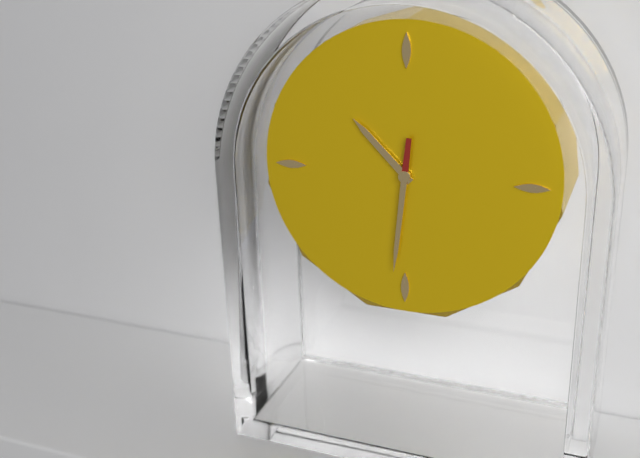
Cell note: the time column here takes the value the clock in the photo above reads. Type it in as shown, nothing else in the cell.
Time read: 10:31
